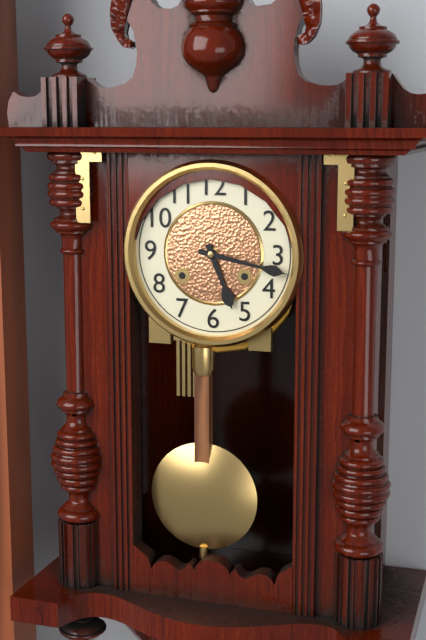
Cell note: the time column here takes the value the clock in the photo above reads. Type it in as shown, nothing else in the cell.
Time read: 5:17
